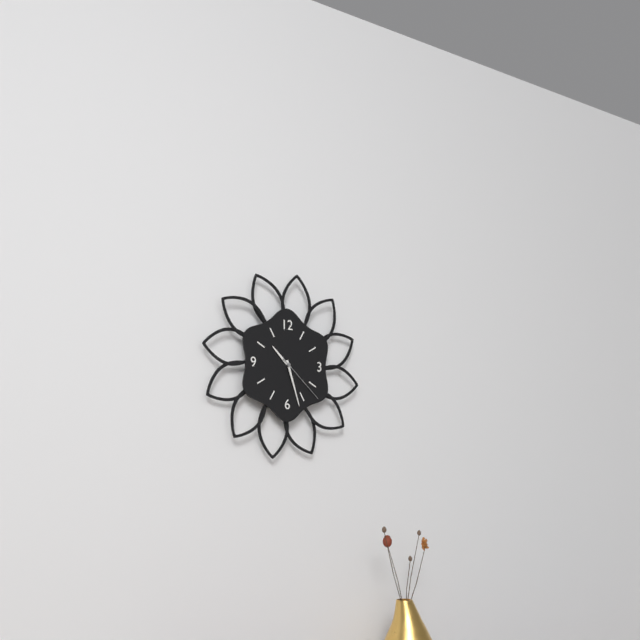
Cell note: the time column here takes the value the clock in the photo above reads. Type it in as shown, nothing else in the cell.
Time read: 10:27:22
